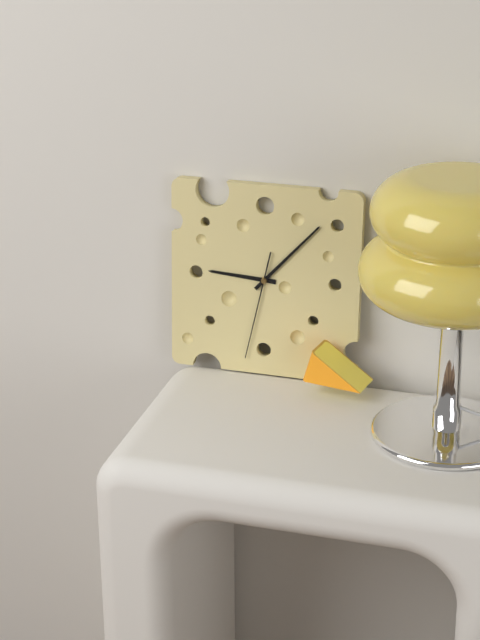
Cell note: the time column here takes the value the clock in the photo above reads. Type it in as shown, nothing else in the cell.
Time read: 9:07:32
